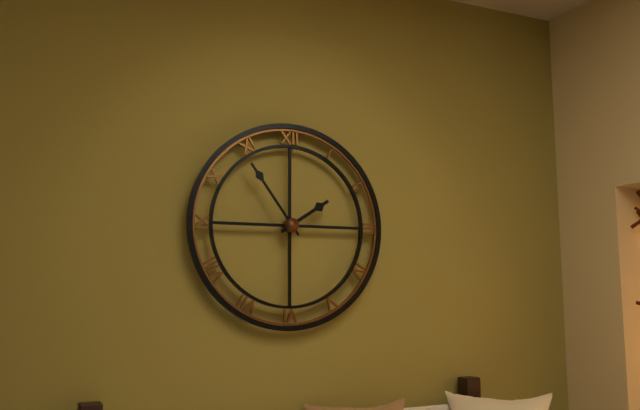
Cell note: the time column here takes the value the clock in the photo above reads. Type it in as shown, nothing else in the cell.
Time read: 1:54
